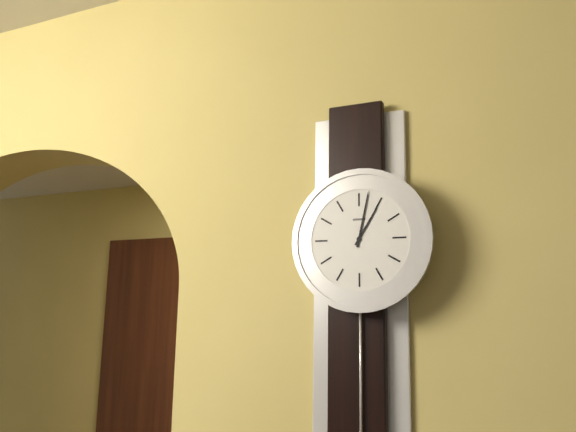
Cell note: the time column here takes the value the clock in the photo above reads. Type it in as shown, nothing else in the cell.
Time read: 1:02
